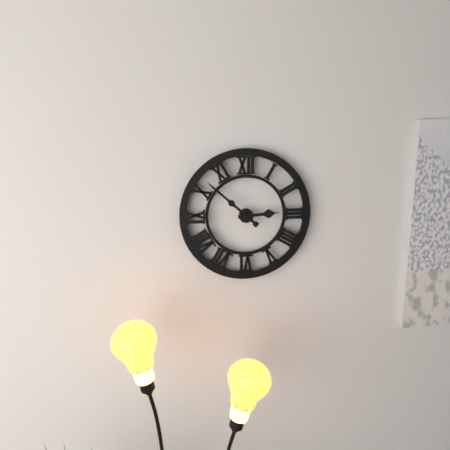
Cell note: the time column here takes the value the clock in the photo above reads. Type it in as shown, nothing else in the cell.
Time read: 2:52
